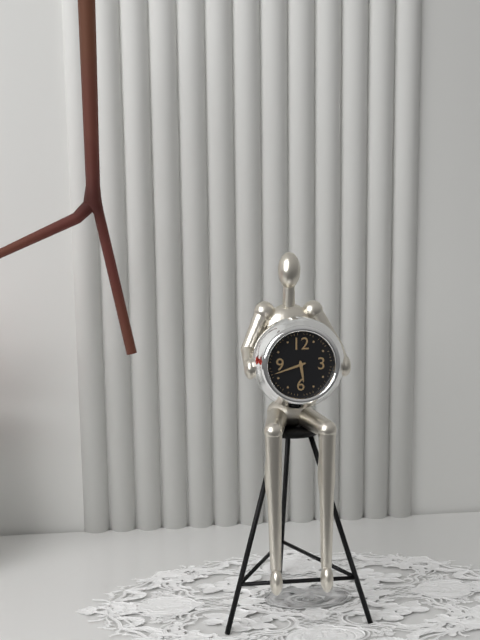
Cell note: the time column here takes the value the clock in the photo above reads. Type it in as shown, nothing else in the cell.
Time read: 5:42
